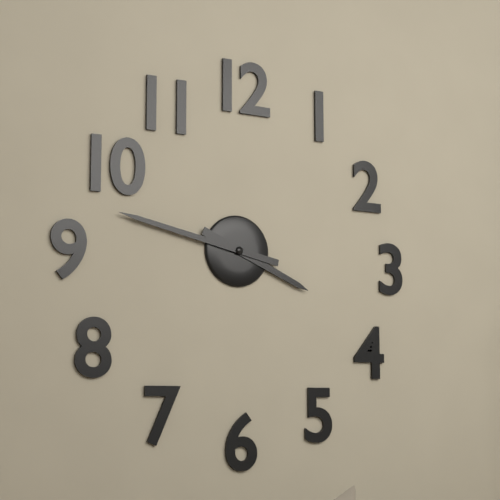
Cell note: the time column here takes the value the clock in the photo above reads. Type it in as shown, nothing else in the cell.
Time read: 3:47
